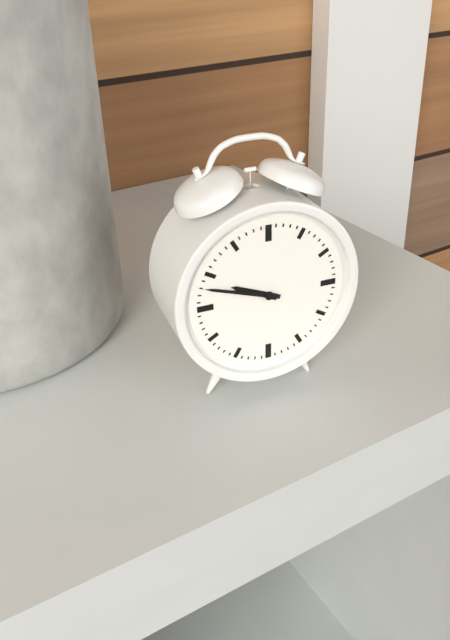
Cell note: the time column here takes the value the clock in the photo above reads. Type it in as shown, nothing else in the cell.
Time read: 9:48
